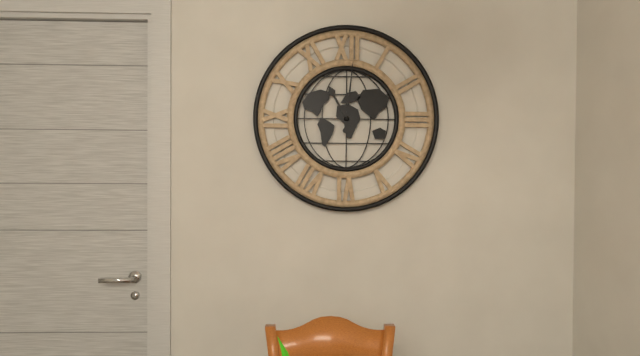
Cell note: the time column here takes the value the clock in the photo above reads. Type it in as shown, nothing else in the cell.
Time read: 11:01
